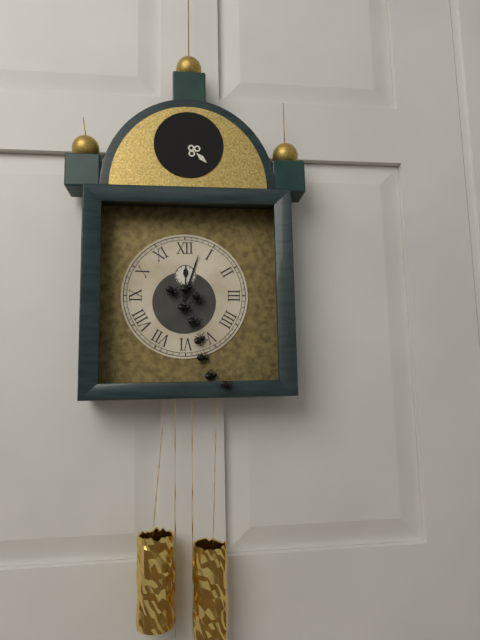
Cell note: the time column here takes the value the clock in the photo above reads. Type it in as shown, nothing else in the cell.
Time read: 12:03
